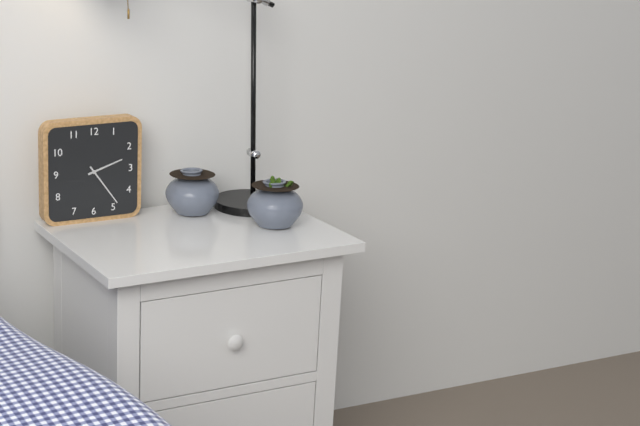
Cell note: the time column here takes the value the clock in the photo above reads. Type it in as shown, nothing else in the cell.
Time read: 2:24
